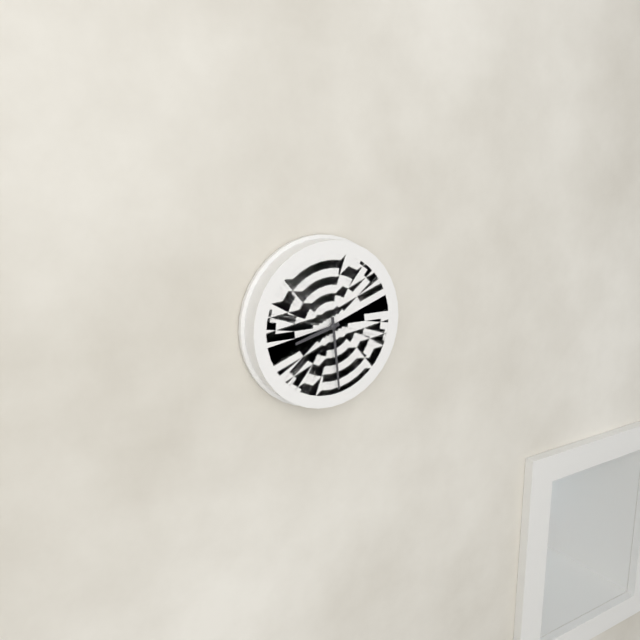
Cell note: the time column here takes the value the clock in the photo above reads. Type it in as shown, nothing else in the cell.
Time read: 8:29
